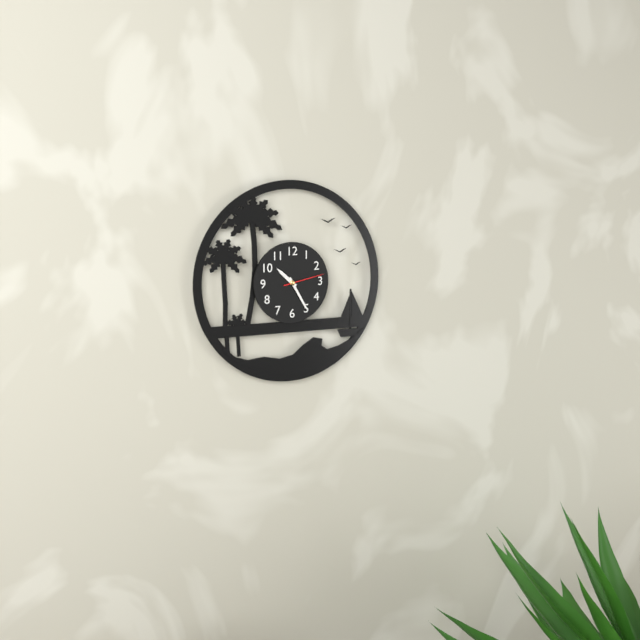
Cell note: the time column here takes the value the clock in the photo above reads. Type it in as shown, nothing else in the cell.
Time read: 10:25
